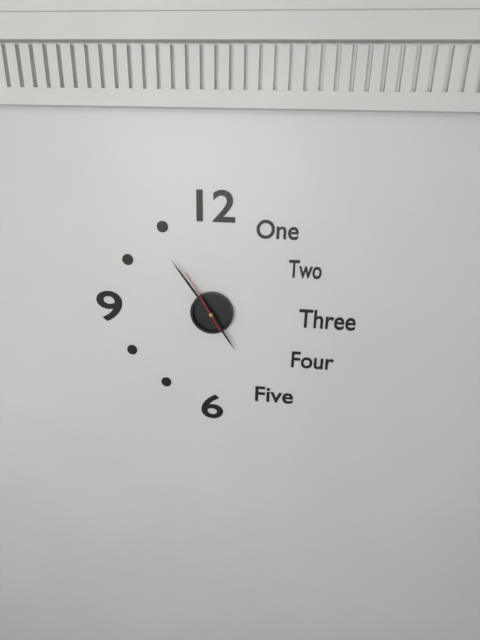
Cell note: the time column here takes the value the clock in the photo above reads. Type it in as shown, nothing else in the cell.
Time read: 4:54:55
